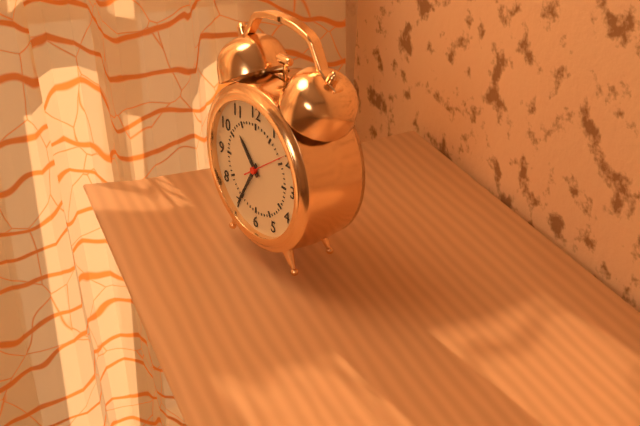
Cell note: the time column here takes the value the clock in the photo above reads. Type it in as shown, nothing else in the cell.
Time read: 10:35
